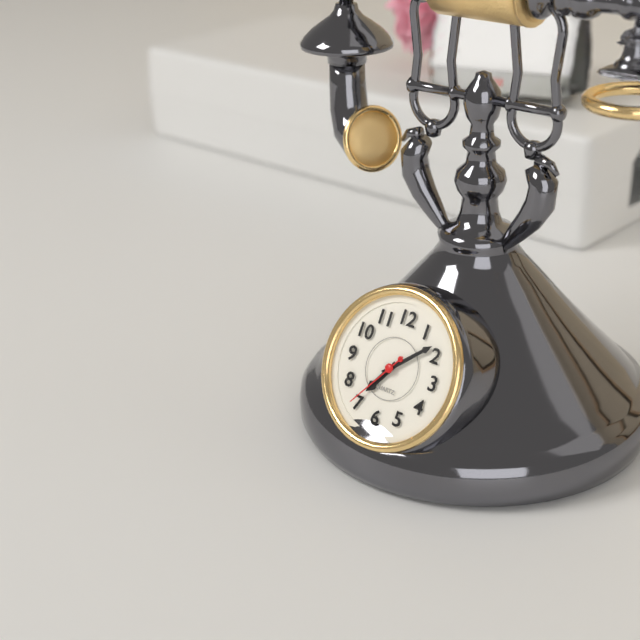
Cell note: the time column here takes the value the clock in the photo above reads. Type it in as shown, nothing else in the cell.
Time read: 7:08:36
